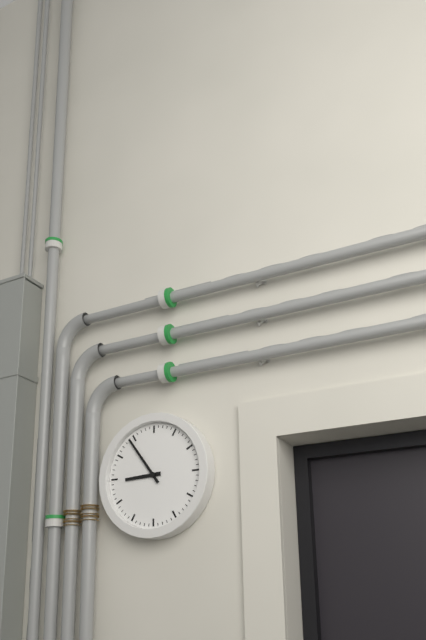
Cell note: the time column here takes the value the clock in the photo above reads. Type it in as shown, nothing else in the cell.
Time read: 8:54
